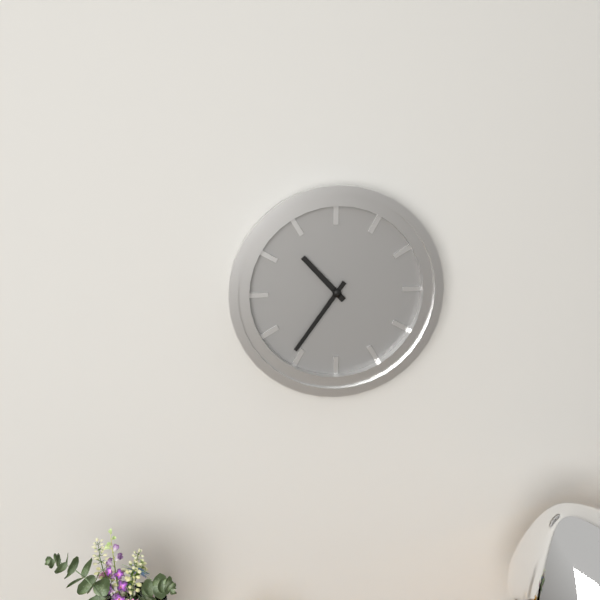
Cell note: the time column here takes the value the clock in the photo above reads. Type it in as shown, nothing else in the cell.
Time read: 10:36
